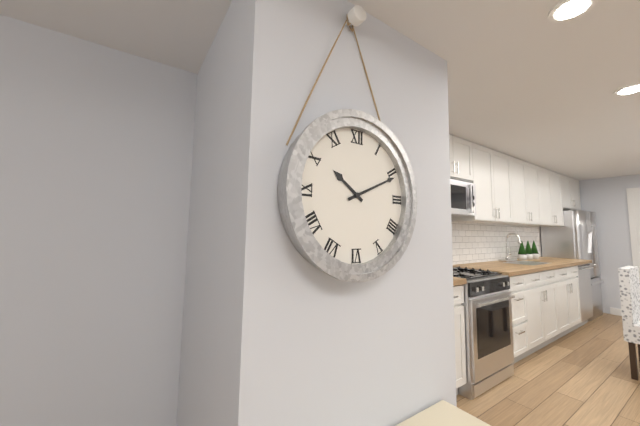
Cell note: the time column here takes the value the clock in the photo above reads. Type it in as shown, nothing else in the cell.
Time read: 10:11
